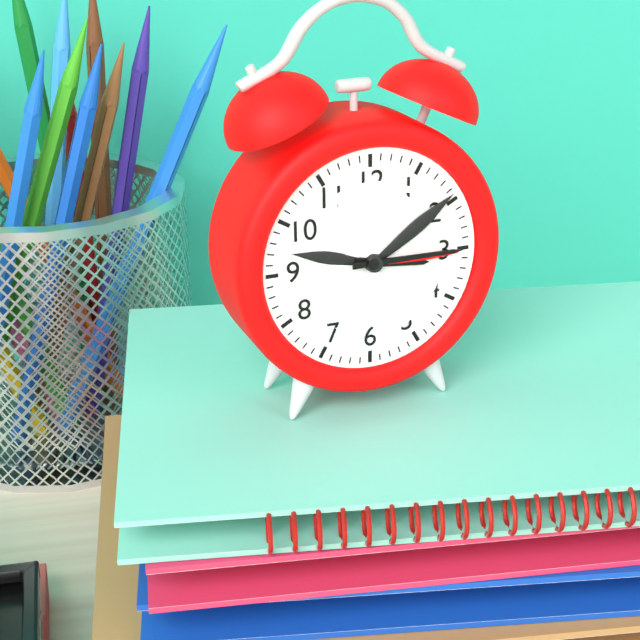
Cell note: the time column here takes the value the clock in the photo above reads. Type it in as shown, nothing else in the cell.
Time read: 3:15
